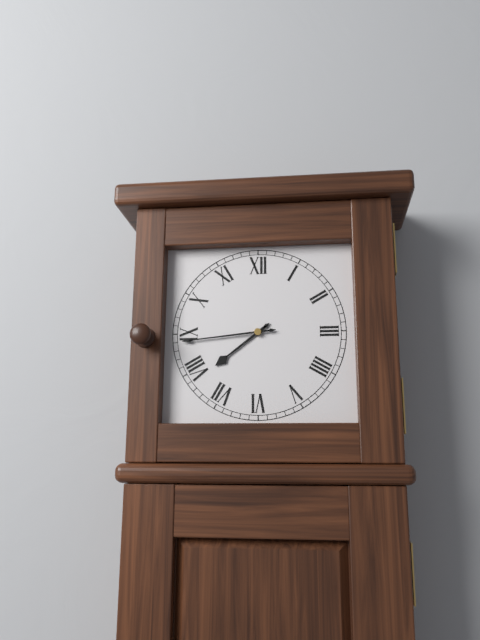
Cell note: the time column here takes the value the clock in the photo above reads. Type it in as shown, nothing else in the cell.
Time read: 7:44
